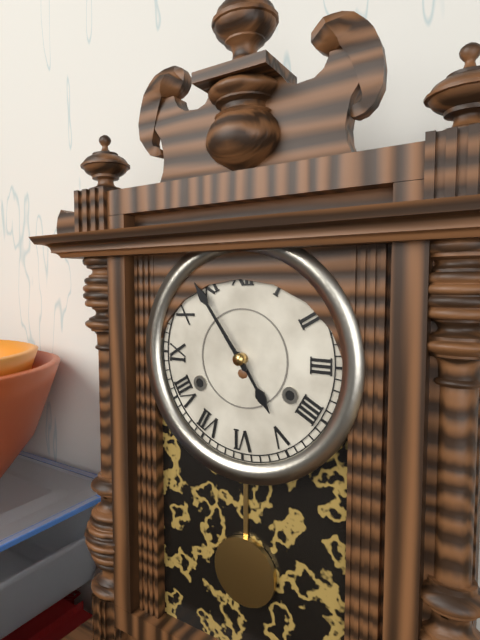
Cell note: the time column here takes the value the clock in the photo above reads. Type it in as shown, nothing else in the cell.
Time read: 4:54
